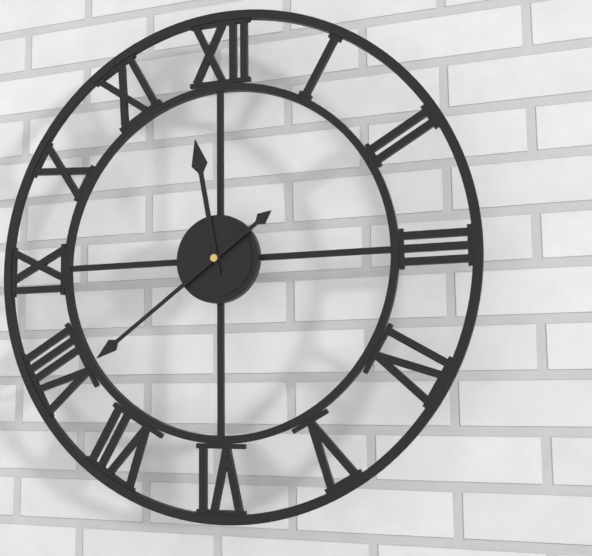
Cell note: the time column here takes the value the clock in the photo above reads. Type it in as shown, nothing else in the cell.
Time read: 11:39
